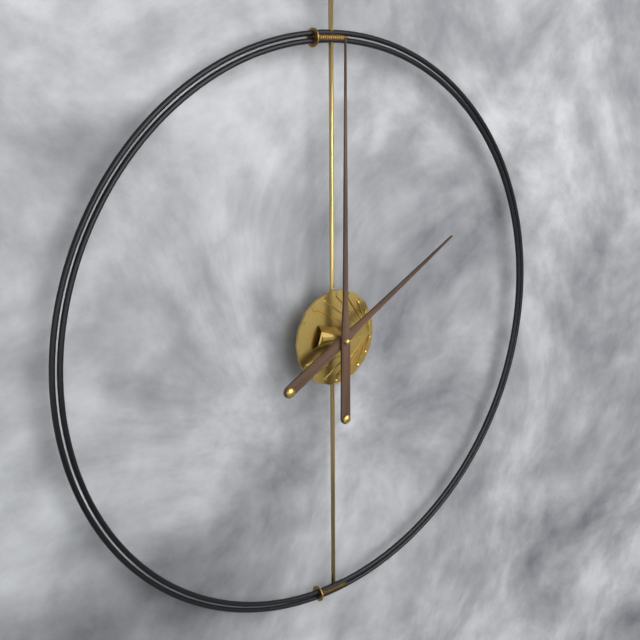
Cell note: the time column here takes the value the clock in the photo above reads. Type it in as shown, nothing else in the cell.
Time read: 2:00
